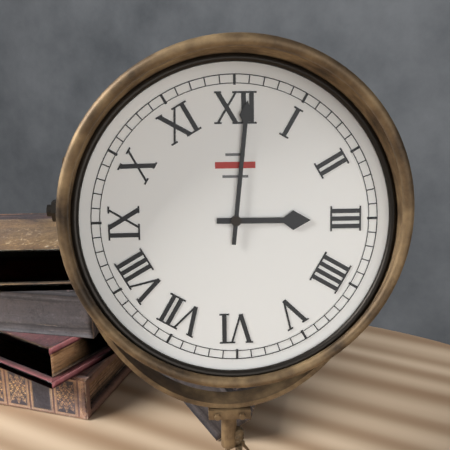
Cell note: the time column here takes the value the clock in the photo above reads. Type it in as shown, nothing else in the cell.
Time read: 3:01
